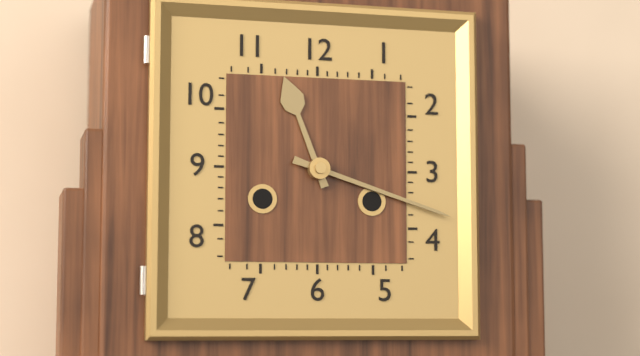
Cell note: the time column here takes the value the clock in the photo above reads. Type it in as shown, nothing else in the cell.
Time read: 11:18
